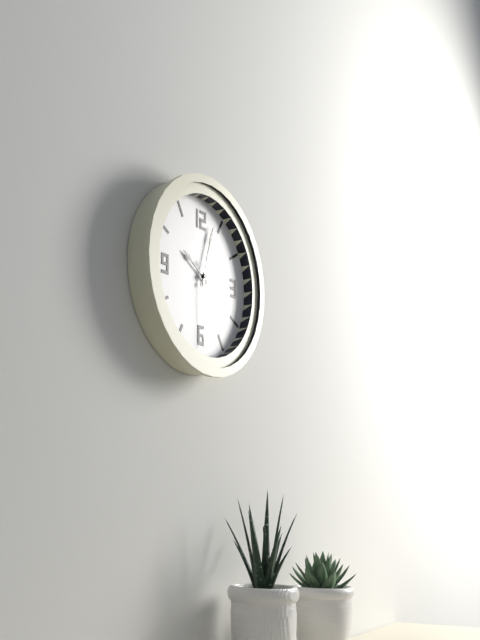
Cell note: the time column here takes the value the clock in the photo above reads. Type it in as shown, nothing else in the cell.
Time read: 10:03:30
